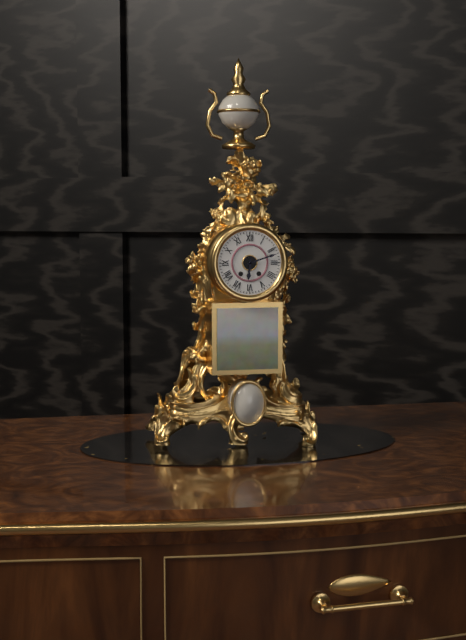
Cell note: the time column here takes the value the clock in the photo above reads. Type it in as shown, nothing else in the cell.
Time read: 6:12
